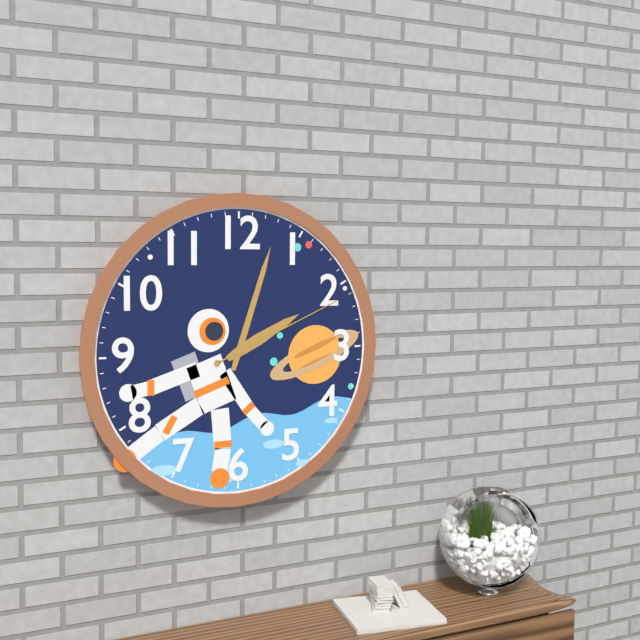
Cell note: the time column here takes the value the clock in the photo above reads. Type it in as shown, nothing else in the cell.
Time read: 2:03:11
